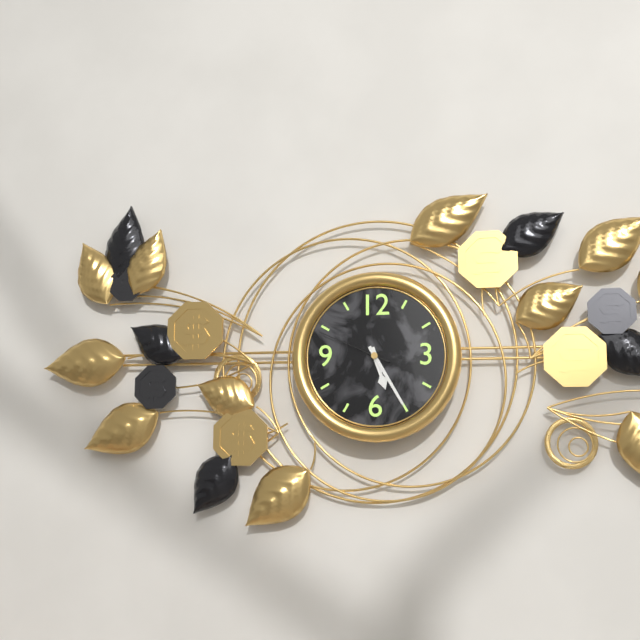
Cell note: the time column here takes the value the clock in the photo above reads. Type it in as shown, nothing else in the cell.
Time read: 5:25:49
